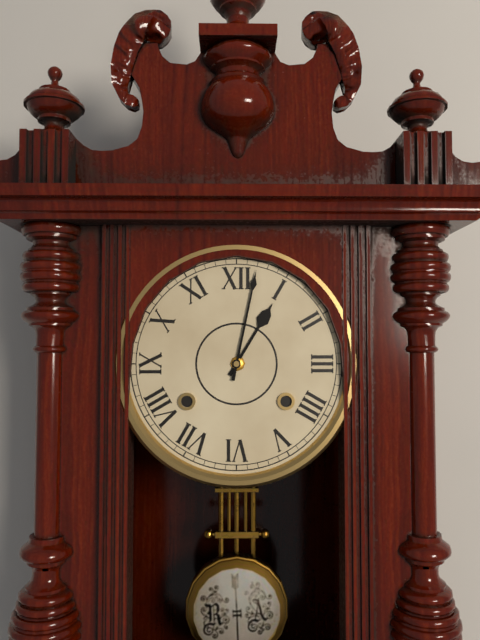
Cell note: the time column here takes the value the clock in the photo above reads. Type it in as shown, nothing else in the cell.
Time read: 1:02
